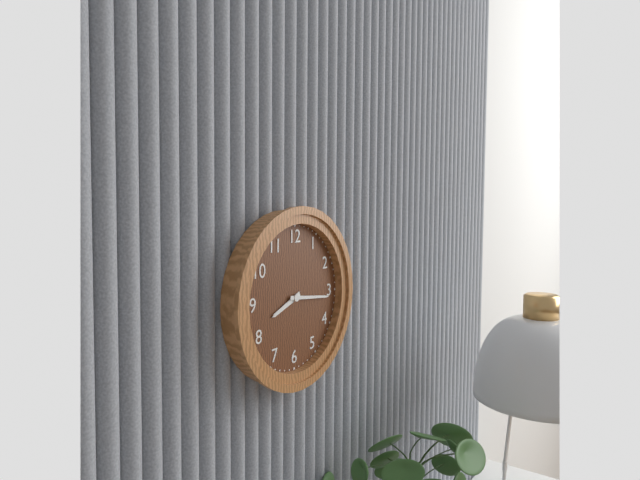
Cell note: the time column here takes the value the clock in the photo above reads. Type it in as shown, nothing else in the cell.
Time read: 8:16
